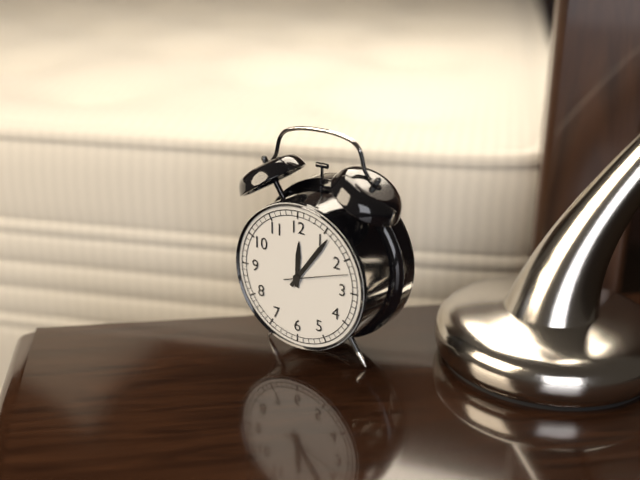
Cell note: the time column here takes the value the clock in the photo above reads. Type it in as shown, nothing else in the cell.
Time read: 12:06:12
